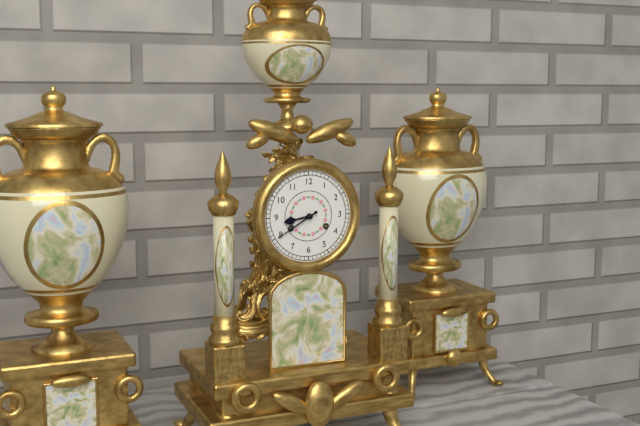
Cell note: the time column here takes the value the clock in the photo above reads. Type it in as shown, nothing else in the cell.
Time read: 8:40
